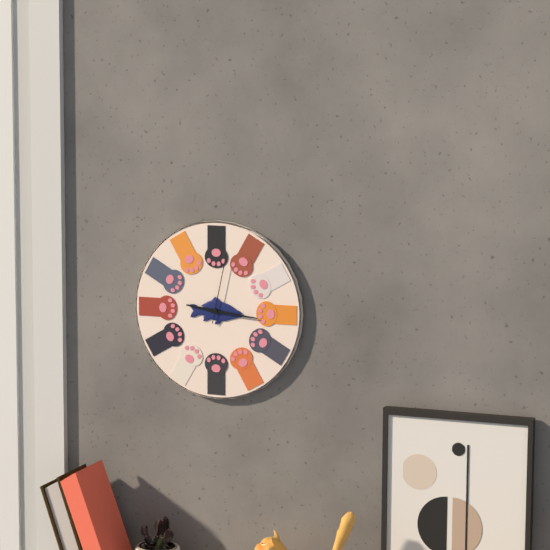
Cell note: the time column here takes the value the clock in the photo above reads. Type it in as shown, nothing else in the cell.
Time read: 9:16:02
